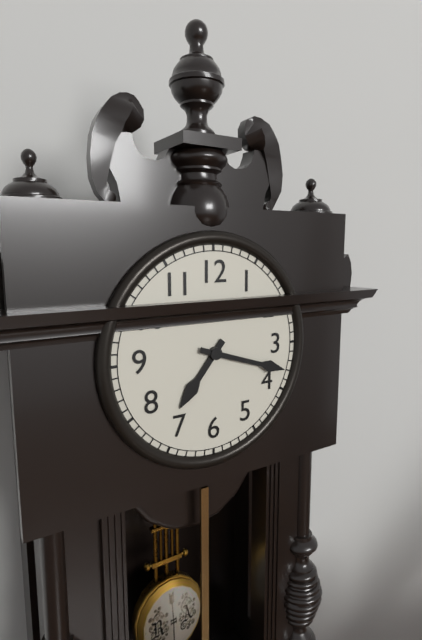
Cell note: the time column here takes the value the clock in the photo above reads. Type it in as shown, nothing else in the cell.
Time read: 7:18
